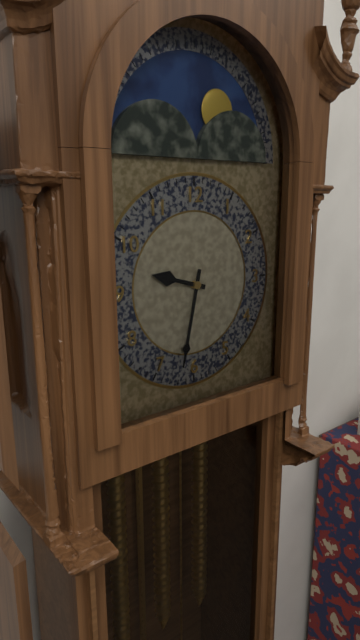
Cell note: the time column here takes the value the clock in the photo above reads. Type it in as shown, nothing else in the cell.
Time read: 9:32
